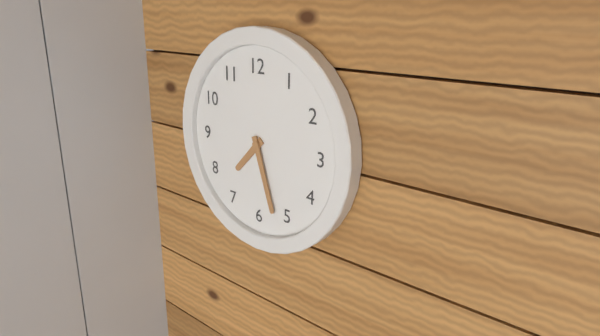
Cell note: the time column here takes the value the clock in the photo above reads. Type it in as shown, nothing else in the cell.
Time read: 7:27
